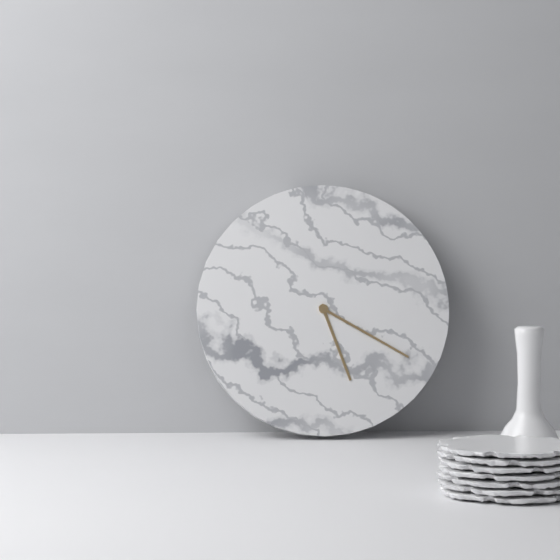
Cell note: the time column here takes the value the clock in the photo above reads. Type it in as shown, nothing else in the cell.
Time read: 5:20
